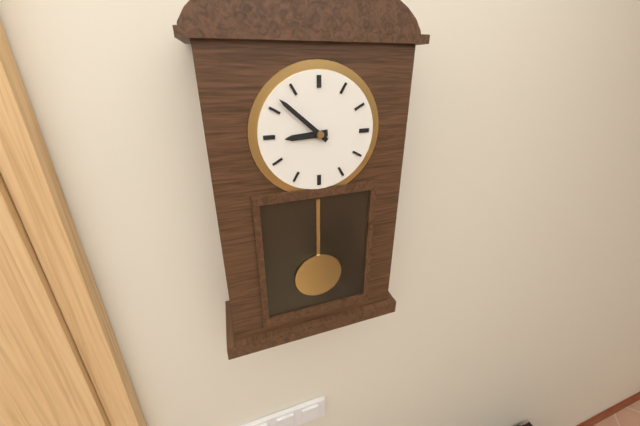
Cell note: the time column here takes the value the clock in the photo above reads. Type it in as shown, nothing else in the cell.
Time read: 8:52
